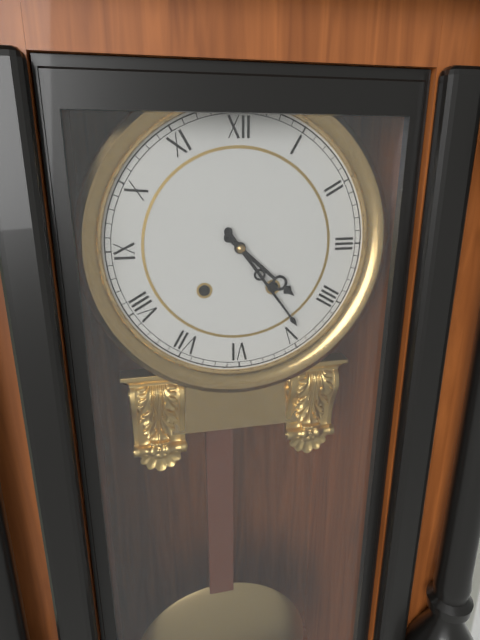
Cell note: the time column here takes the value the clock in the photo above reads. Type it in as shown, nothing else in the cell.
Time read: 4:24
